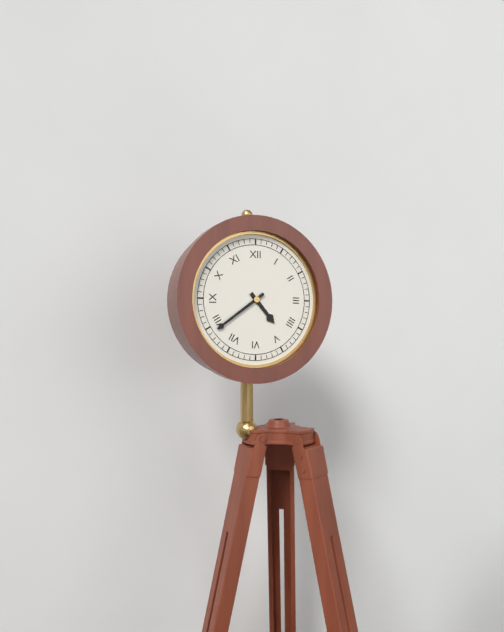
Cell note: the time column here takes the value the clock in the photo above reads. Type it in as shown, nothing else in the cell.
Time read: 4:39
